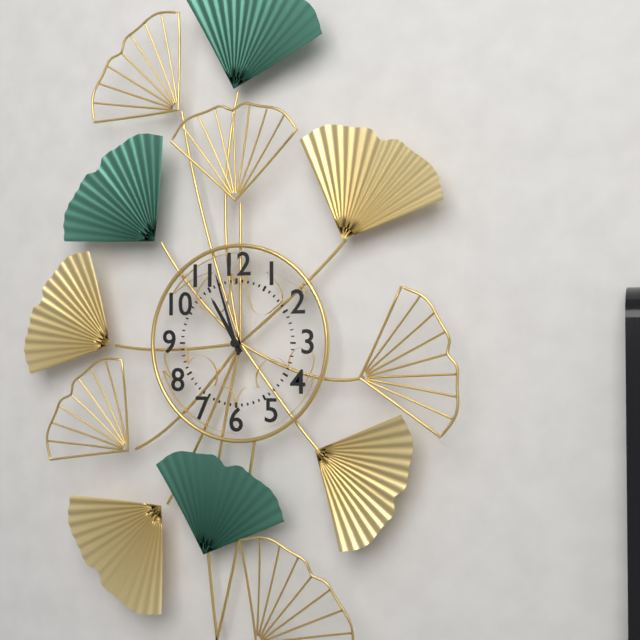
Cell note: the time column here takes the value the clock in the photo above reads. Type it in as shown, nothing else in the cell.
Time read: 10:57
